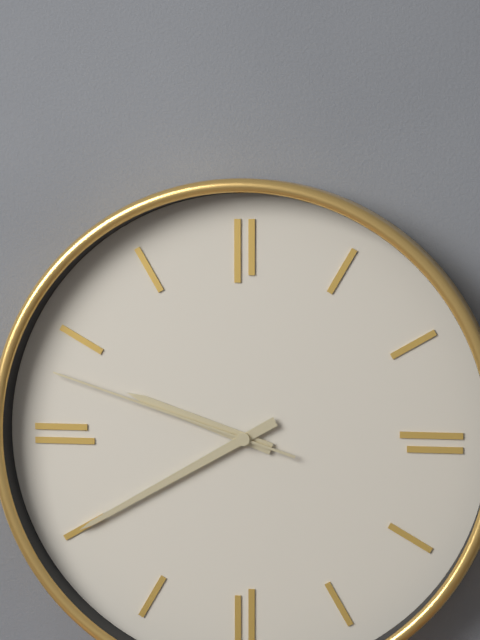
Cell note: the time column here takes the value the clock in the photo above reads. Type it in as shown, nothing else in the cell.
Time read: 9:40:48
